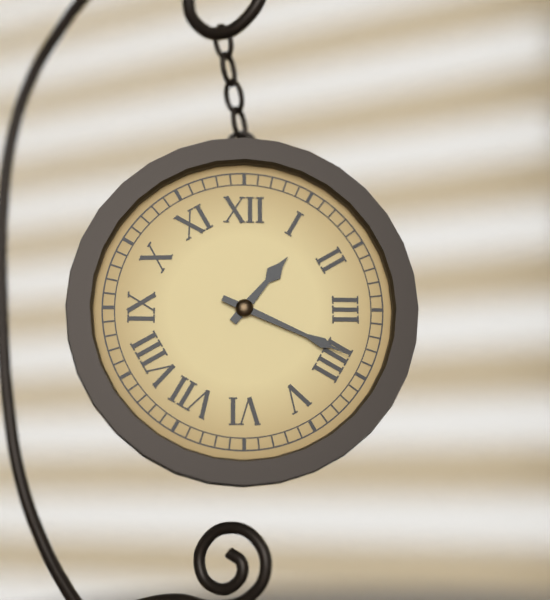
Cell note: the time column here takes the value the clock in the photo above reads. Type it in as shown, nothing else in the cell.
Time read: 1:19
